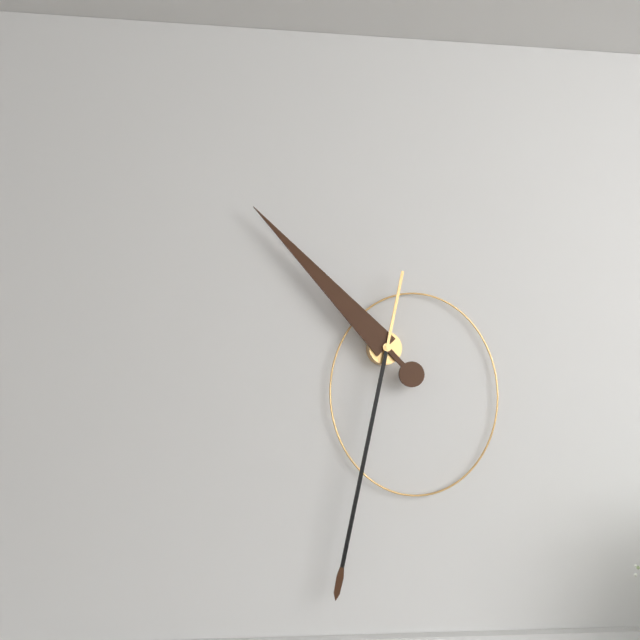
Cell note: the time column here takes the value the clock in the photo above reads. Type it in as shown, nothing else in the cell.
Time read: 10:32
